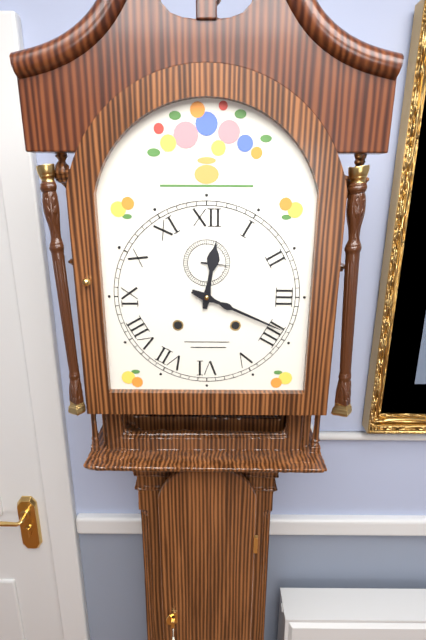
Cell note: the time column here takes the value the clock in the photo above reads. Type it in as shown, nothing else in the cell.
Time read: 12:19
